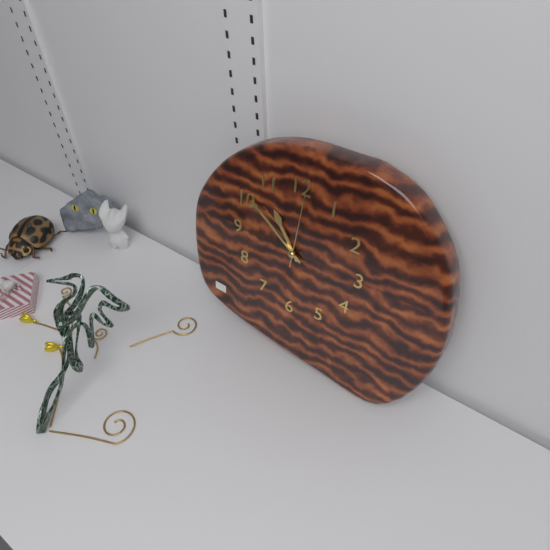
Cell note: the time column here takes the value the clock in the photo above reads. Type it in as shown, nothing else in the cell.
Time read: 10:51:01
